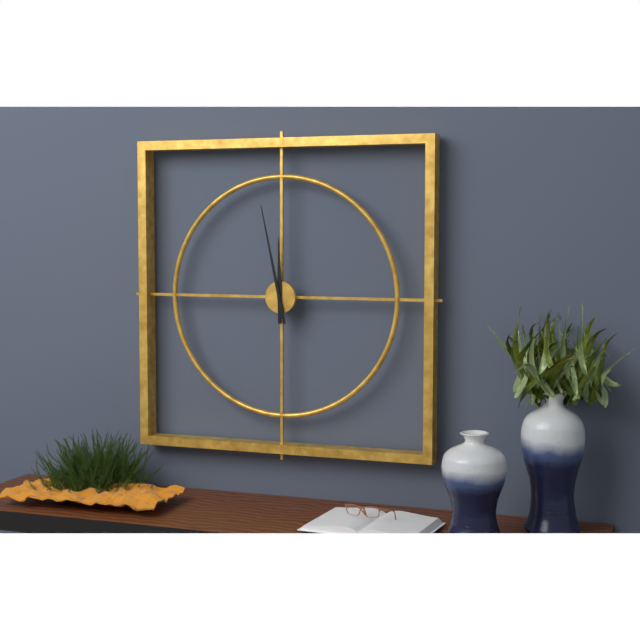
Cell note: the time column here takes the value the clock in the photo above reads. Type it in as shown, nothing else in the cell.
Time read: 11:58
